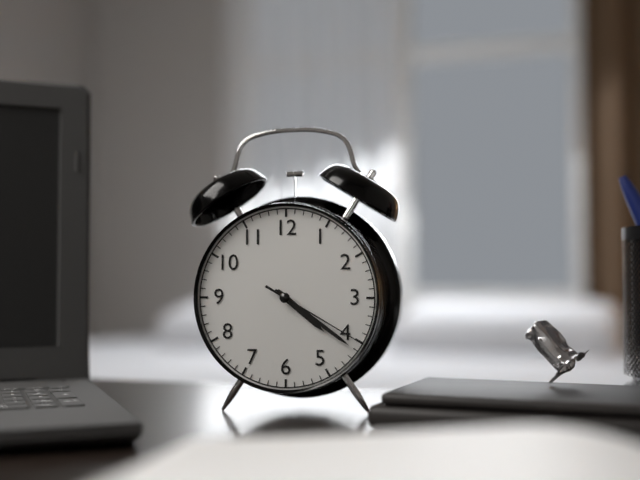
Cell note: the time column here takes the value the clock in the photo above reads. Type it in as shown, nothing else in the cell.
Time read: 4:21:20
